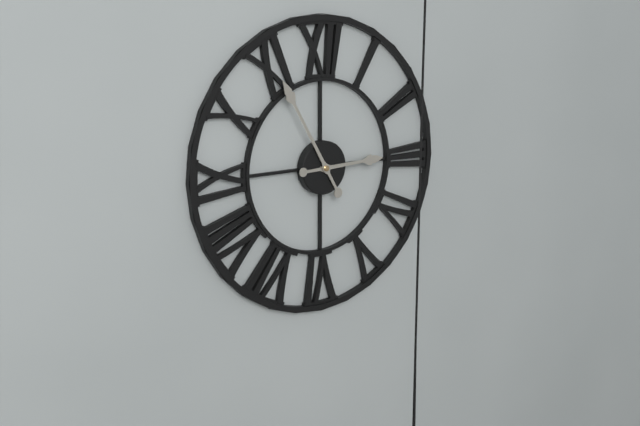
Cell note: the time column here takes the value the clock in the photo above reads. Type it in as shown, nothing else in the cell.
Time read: 2:55
